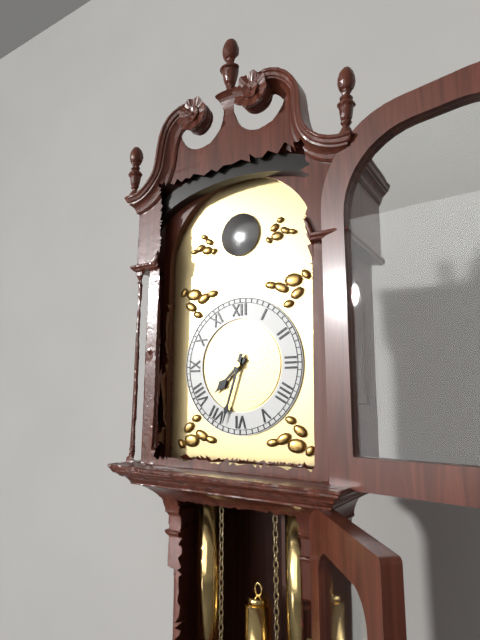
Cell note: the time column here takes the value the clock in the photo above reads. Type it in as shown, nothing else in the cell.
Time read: 7:33
